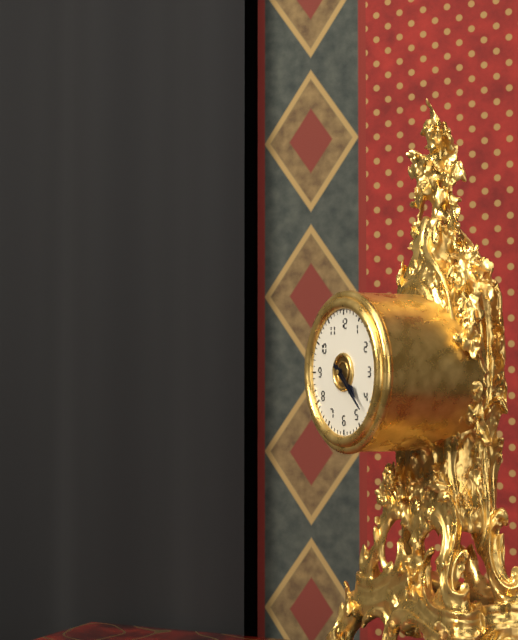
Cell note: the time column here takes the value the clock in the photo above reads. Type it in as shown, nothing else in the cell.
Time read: 4:22
